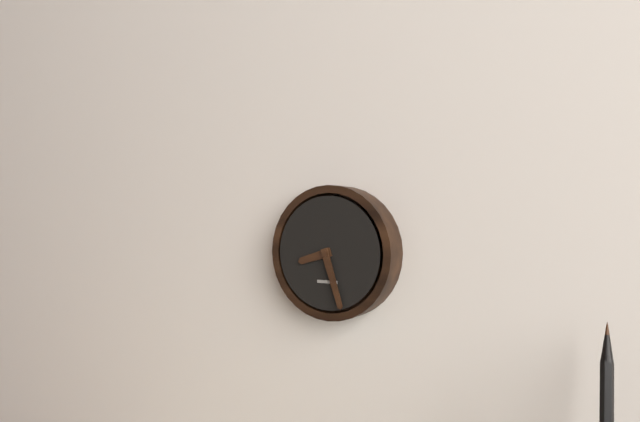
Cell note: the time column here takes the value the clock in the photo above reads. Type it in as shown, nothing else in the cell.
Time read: 8:27
